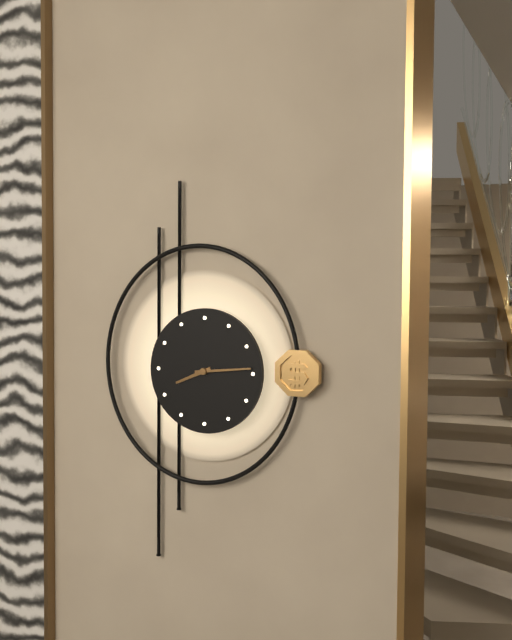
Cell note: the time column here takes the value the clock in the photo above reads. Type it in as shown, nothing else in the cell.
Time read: 8:14
